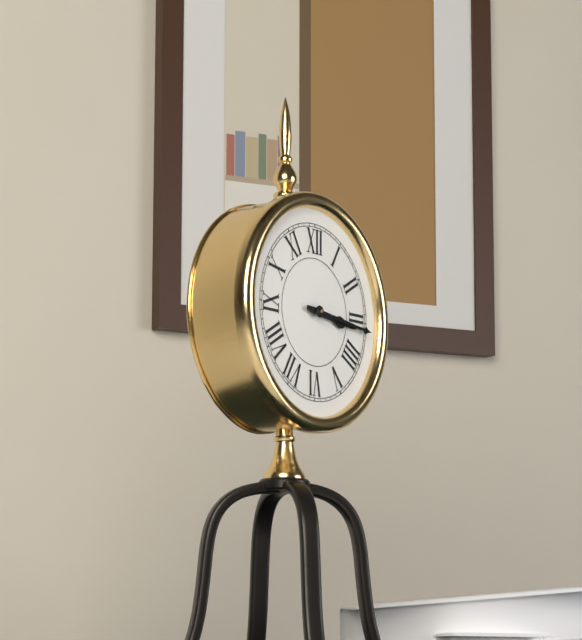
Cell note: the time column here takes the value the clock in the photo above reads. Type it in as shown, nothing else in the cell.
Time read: 3:16
